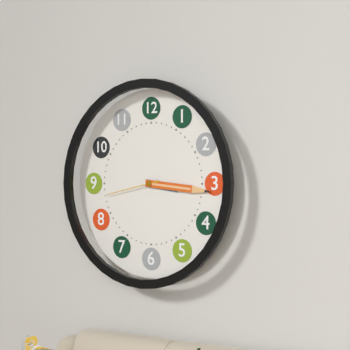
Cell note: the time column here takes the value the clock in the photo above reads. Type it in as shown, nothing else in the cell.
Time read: 3:16:43
